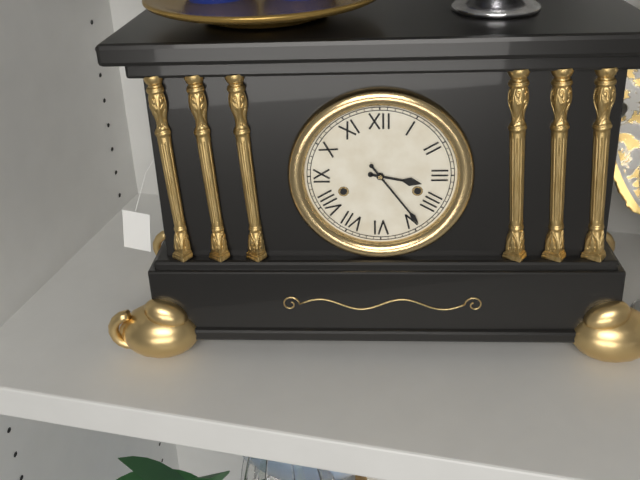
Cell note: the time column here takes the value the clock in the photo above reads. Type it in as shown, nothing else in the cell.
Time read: 3:24
